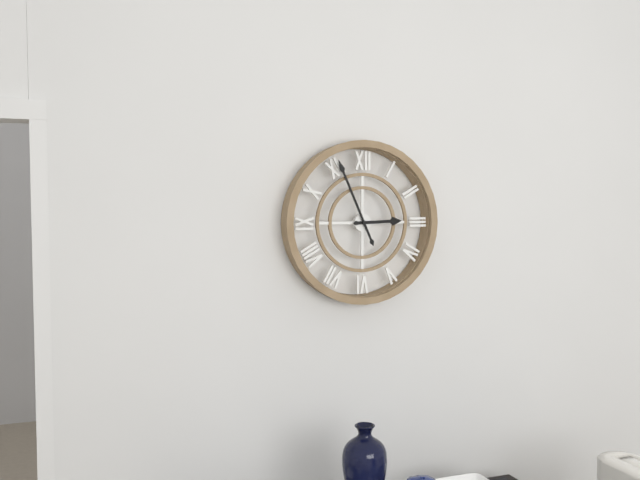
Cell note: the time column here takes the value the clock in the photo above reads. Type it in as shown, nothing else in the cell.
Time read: 2:56
